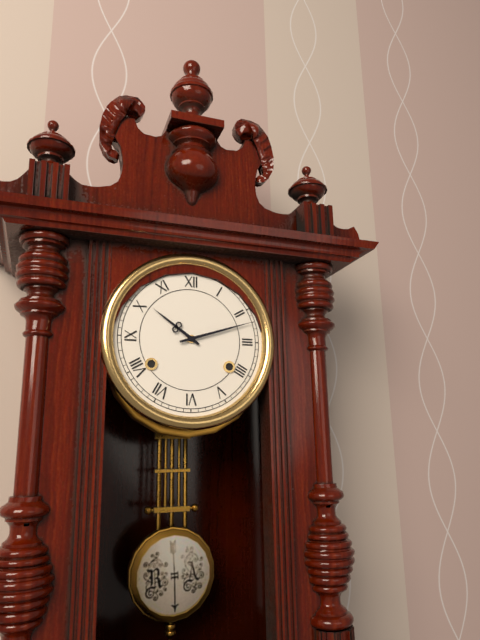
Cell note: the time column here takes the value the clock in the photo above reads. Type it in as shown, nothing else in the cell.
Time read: 10:12
